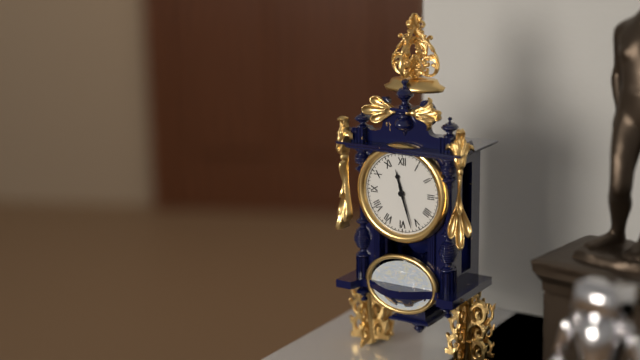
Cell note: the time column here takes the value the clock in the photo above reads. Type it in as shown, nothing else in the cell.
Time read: 11:27
